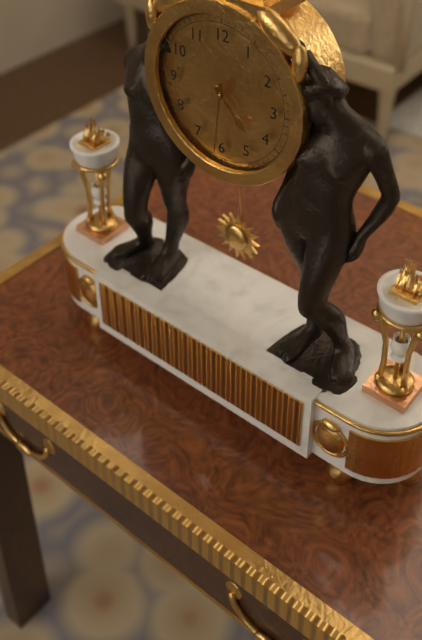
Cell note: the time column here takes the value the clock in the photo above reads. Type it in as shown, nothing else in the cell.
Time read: 4:31
